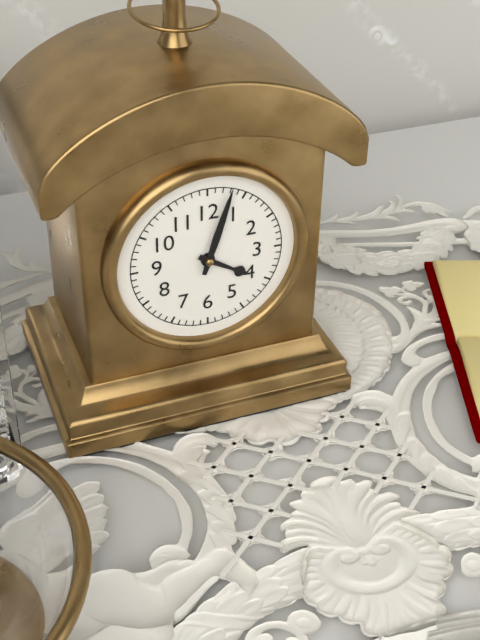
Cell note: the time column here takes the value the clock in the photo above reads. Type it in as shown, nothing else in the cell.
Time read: 4:03
